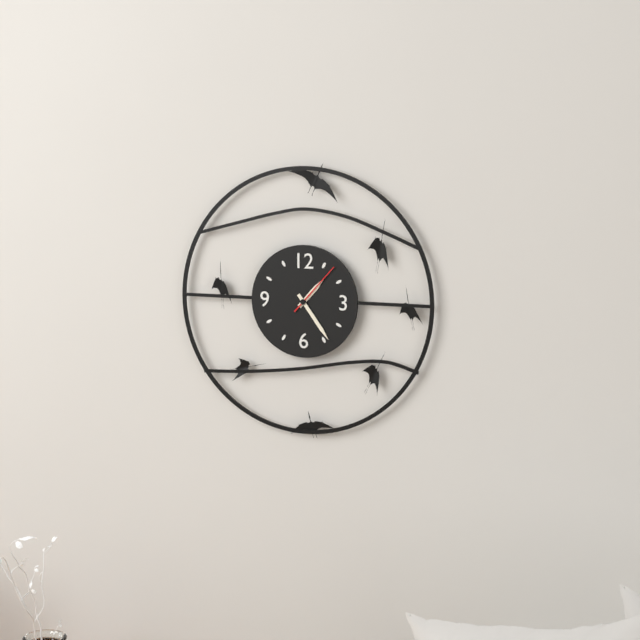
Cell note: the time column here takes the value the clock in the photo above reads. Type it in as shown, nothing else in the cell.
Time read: 1:24:07
